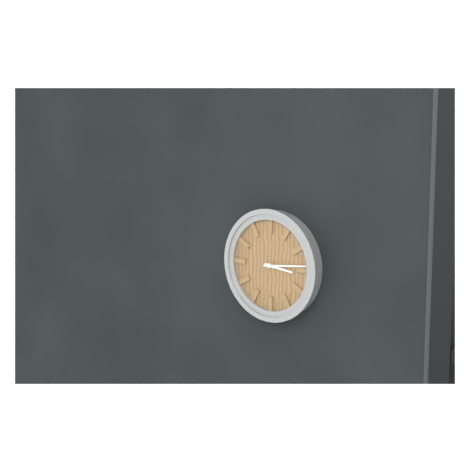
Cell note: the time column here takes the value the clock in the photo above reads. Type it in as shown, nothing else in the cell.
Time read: 3:14
